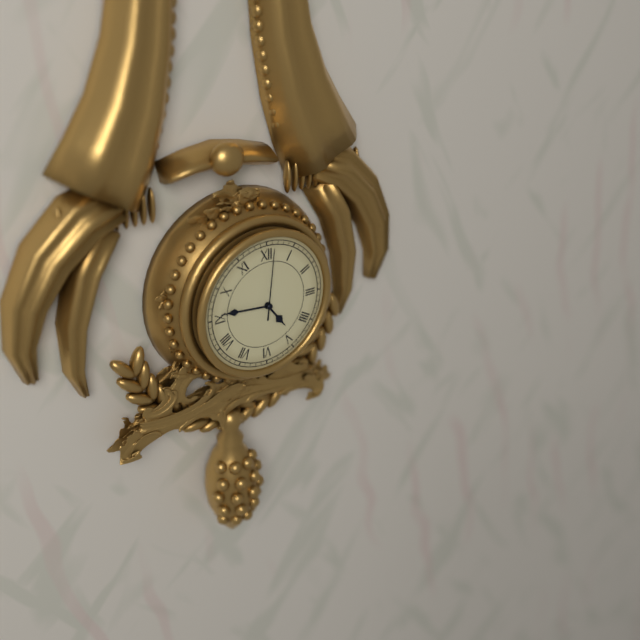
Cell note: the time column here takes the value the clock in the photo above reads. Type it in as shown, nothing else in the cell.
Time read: 4:46:01
